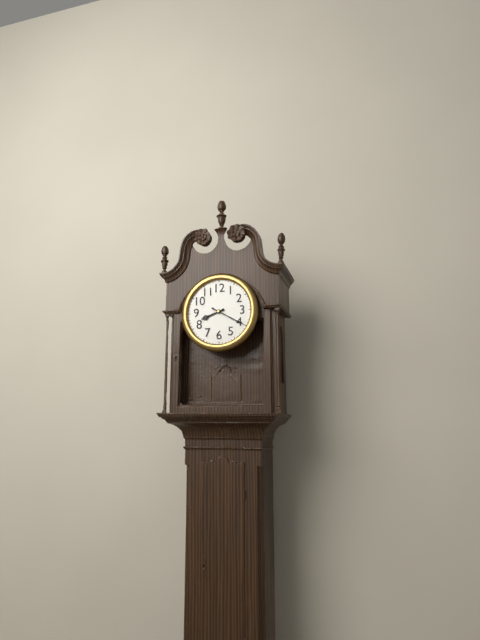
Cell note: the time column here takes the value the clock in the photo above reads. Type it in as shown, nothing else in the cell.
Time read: 8:20
